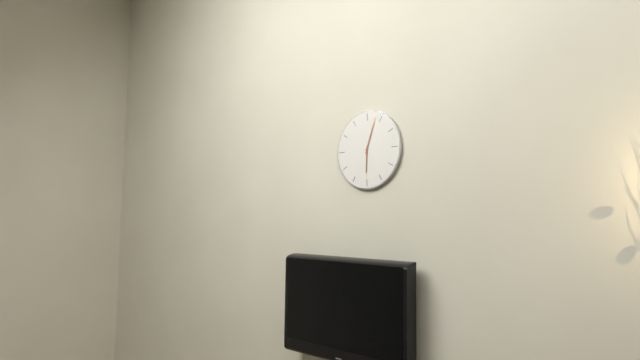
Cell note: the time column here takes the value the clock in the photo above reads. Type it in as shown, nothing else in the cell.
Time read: 6:03
